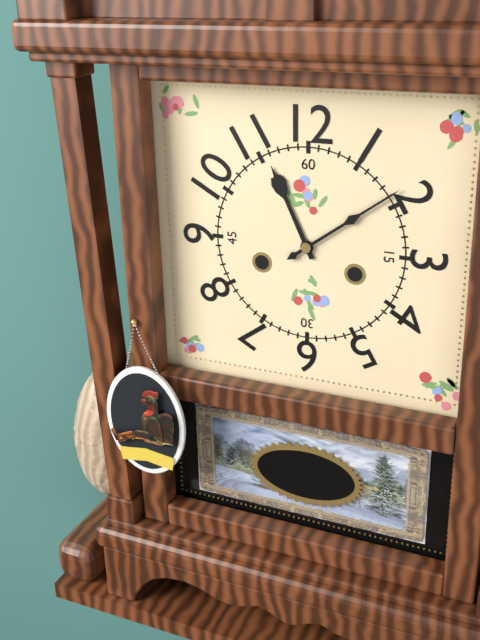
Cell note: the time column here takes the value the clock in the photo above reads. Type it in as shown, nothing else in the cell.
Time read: 11:09
